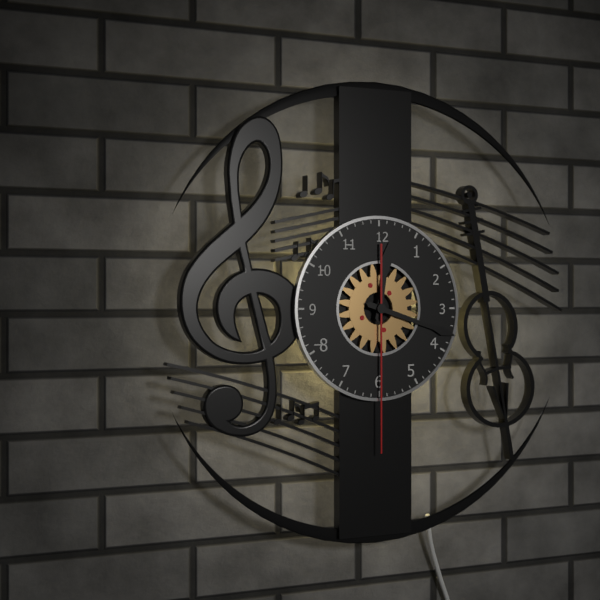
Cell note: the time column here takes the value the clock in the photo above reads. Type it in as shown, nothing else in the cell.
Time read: 12:18:30
